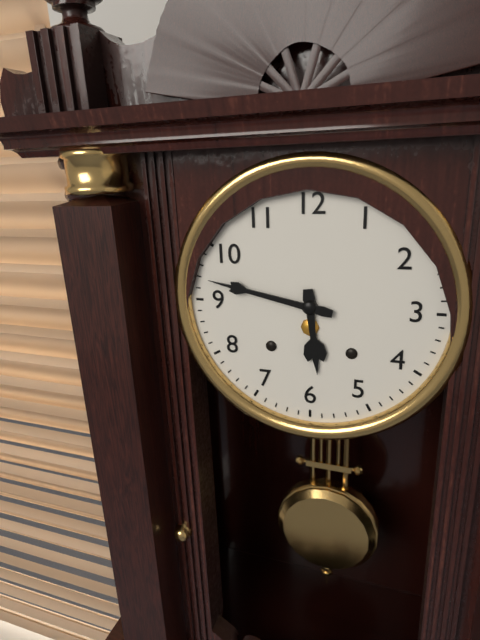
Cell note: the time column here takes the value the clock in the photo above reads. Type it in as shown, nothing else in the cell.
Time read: 5:47
